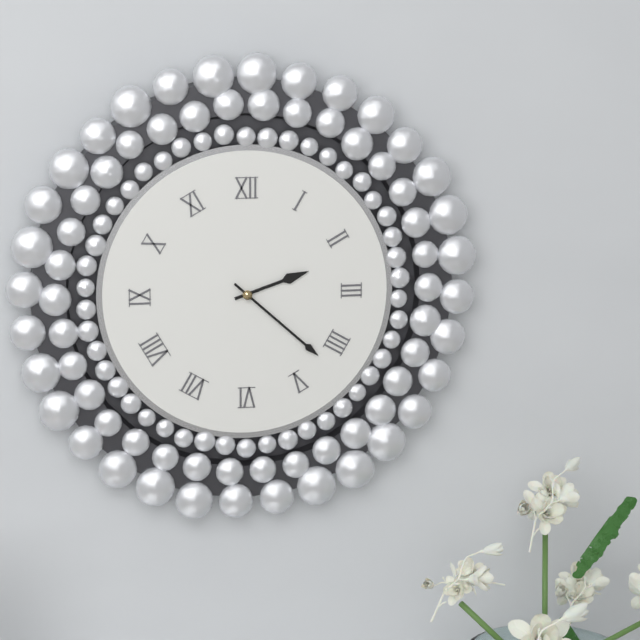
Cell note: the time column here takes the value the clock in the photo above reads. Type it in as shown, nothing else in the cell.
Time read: 2:22
